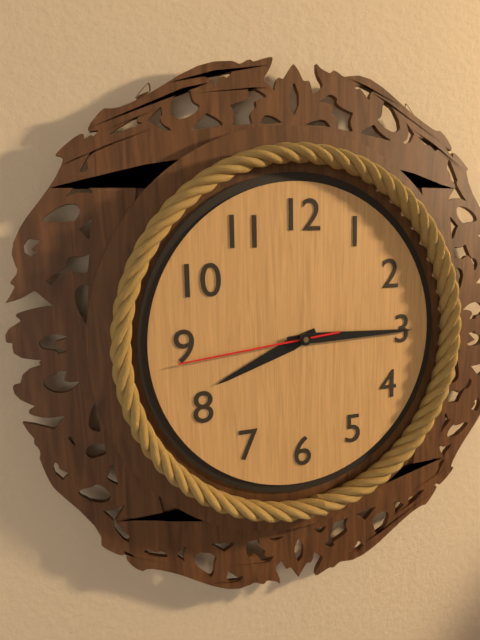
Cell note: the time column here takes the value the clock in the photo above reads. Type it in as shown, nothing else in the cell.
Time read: 8:15:44
